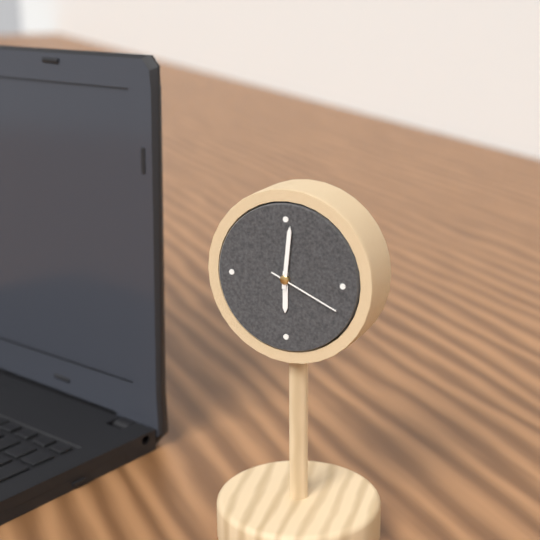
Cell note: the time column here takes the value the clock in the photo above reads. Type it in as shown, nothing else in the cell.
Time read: 6:01:19
